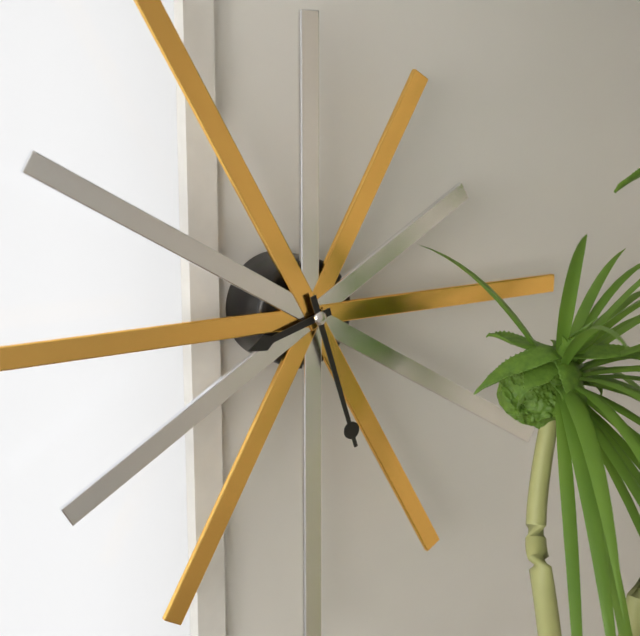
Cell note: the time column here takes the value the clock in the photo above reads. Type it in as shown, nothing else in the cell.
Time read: 8:27
